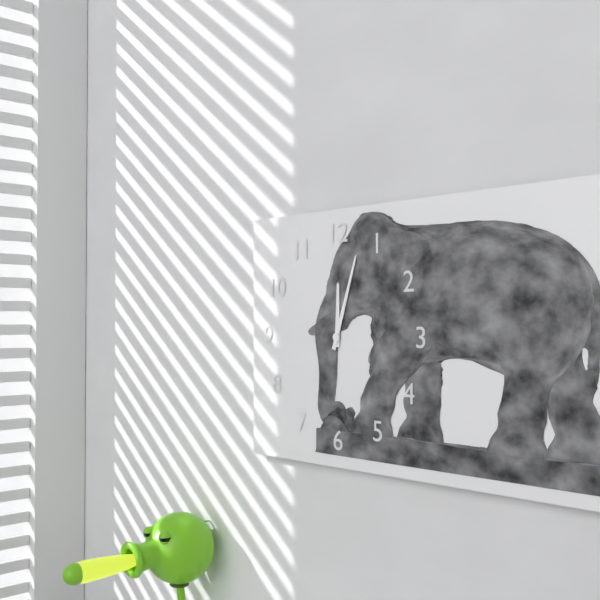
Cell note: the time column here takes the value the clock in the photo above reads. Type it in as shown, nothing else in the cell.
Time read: 12:03
